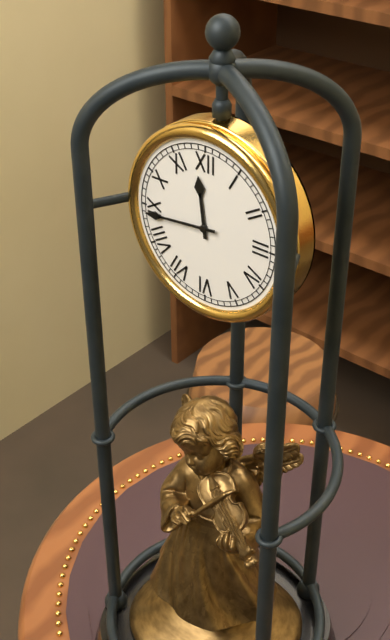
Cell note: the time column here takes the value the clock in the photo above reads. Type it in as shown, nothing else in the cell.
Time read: 11:44
